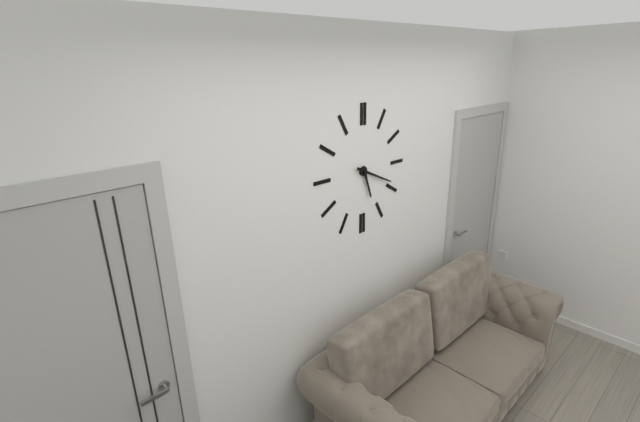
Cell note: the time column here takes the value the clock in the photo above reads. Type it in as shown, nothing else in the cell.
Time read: 5:19
